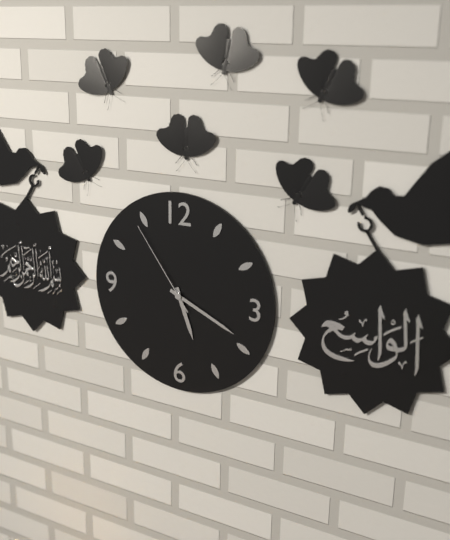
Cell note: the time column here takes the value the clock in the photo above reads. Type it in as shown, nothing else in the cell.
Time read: 5:19:54
